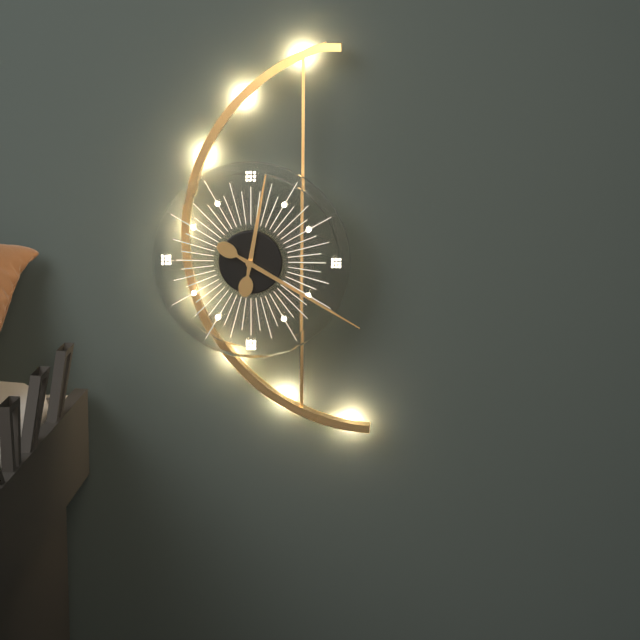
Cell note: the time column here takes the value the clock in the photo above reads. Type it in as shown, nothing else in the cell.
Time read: 12:20
